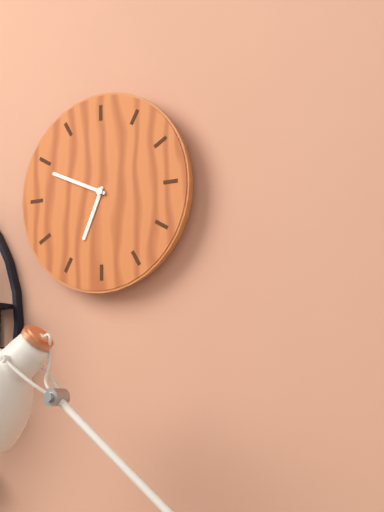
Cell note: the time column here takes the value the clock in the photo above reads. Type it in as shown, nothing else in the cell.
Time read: 6:49
